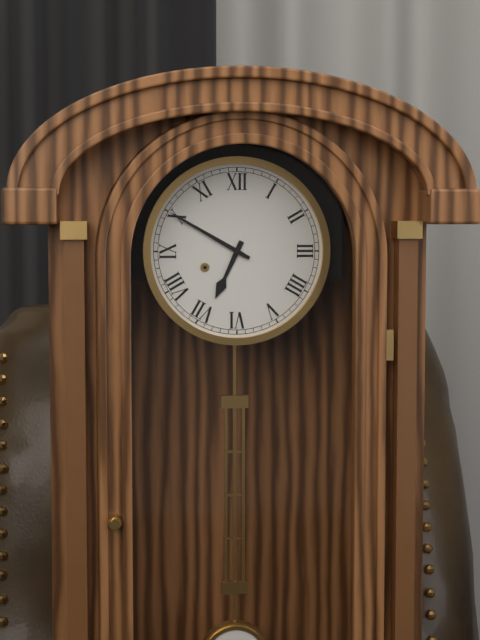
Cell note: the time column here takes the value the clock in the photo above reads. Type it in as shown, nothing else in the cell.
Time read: 6:50
